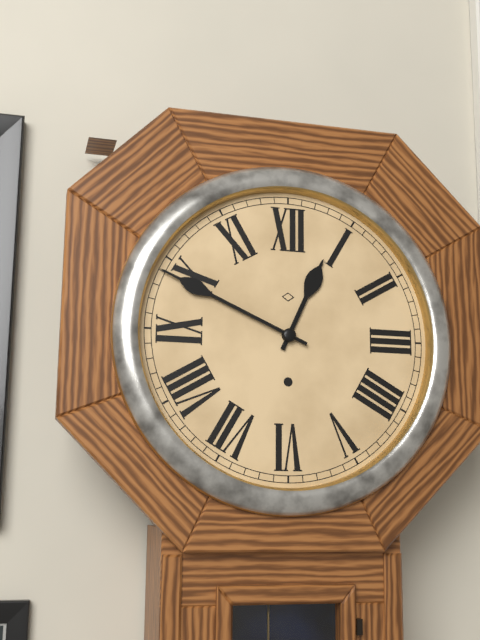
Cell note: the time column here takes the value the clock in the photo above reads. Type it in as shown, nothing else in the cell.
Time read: 12:49
